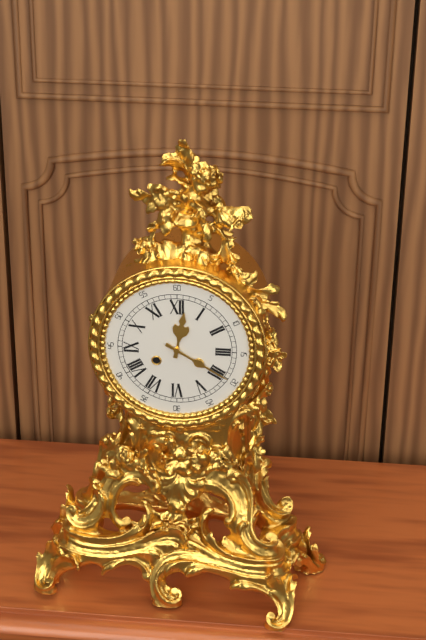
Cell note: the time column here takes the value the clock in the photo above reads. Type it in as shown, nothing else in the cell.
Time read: 12:20
